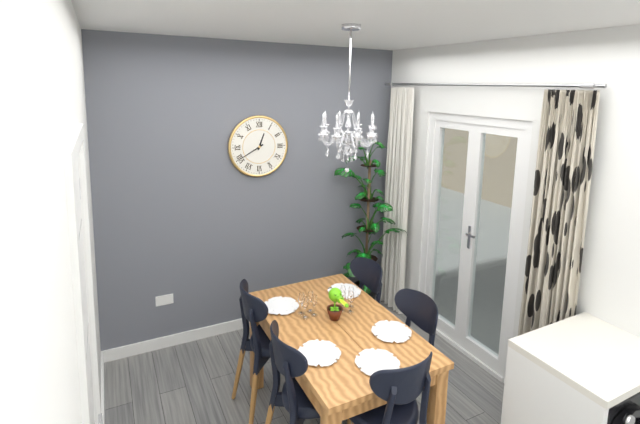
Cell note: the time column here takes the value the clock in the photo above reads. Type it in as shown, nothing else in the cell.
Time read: 12:40
